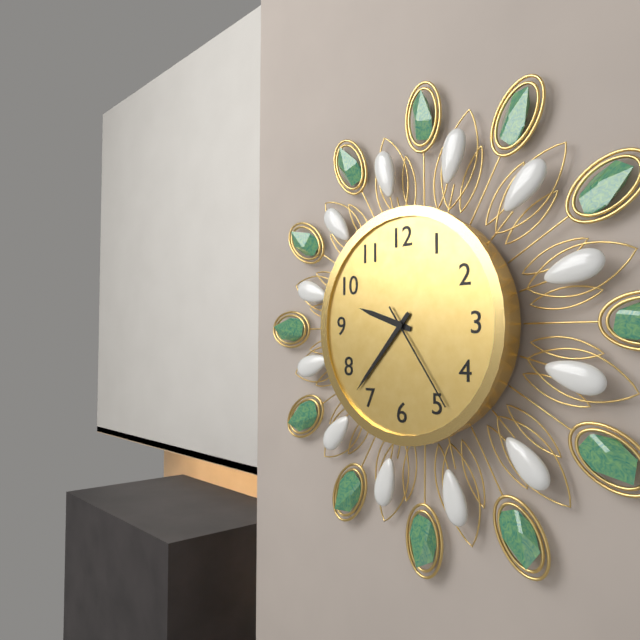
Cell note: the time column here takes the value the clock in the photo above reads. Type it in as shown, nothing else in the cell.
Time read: 9:37:24
